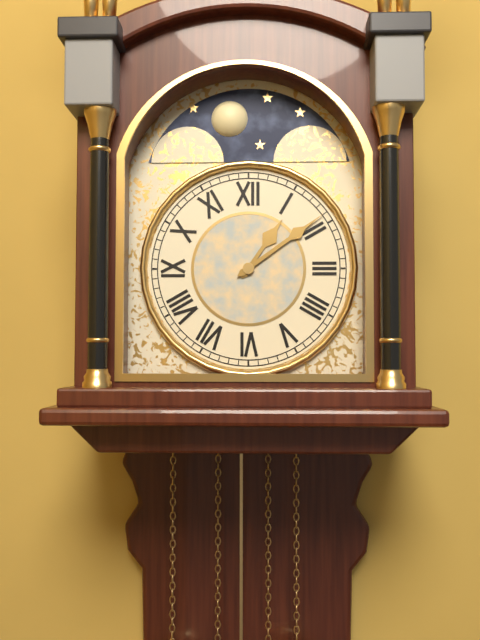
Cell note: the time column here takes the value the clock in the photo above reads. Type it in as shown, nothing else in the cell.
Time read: 1:09
